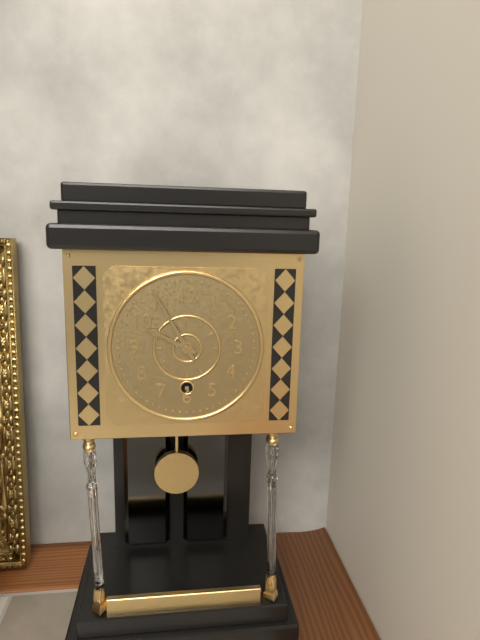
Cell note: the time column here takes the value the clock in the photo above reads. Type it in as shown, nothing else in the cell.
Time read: 9:55
